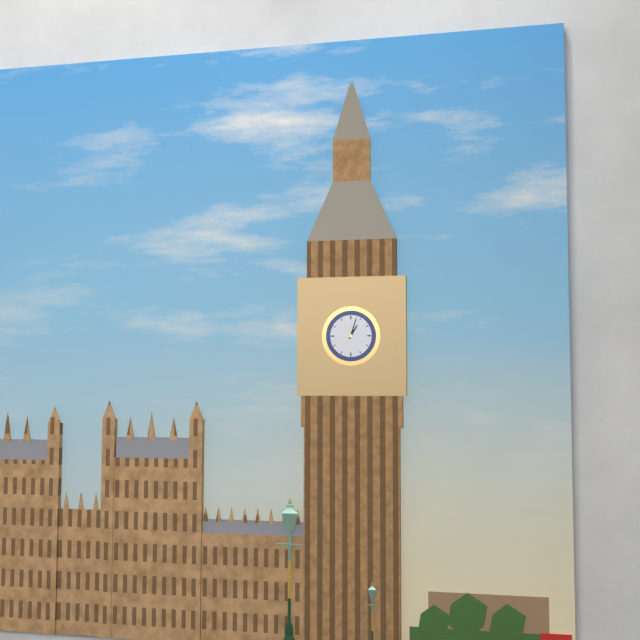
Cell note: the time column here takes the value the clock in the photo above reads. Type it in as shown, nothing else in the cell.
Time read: 1:03
